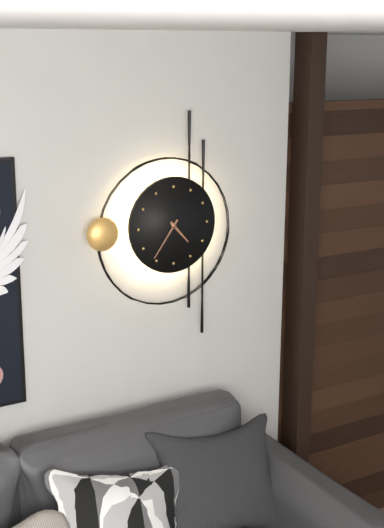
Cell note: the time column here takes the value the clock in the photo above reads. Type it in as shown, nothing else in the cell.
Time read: 4:36
